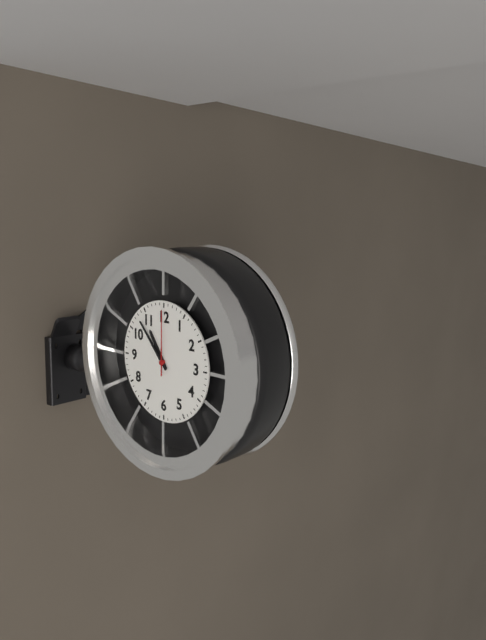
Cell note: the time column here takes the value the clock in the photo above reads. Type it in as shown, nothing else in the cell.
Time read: 10:53:00
